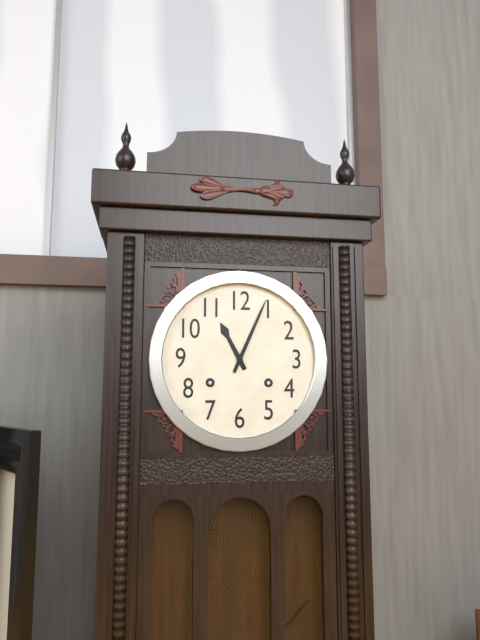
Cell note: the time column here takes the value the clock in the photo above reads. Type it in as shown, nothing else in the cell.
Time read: 11:04
